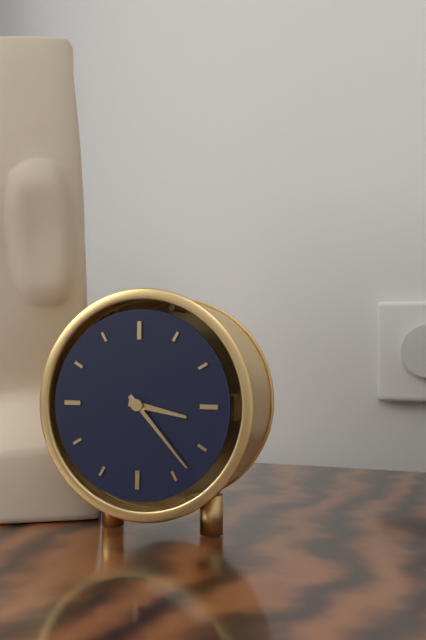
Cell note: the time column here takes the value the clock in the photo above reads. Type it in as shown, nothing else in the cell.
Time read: 3:23
